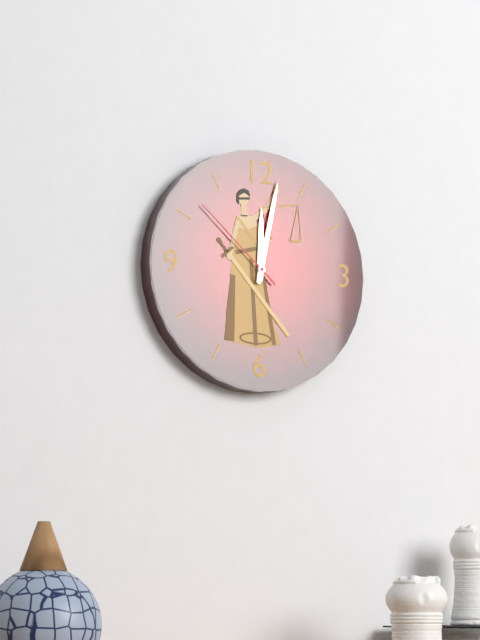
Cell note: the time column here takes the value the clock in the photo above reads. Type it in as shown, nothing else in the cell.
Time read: 12:02:52
